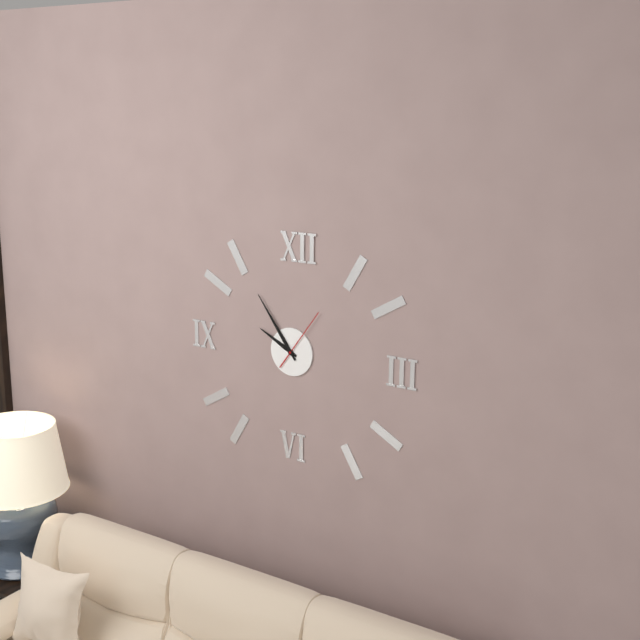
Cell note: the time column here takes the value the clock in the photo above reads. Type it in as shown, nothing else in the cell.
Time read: 9:54:06
